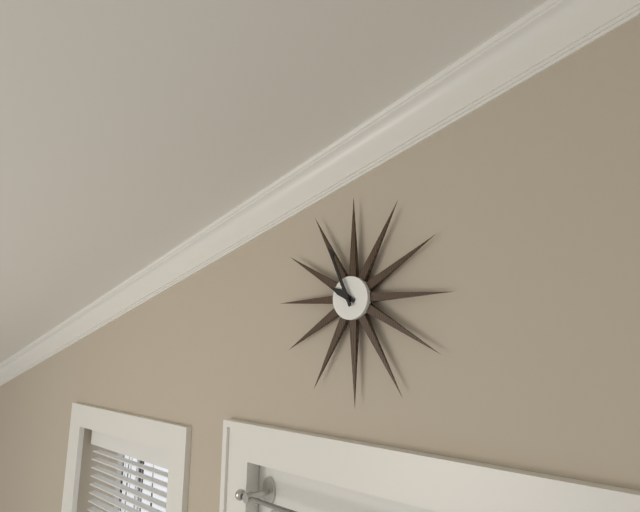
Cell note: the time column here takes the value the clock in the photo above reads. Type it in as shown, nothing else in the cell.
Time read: 9:56
